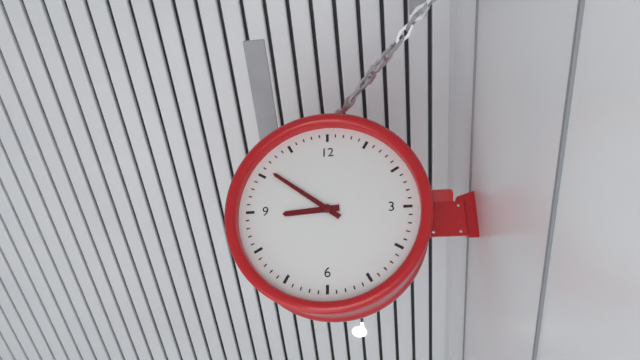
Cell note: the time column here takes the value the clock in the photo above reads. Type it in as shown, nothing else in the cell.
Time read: 8:51
